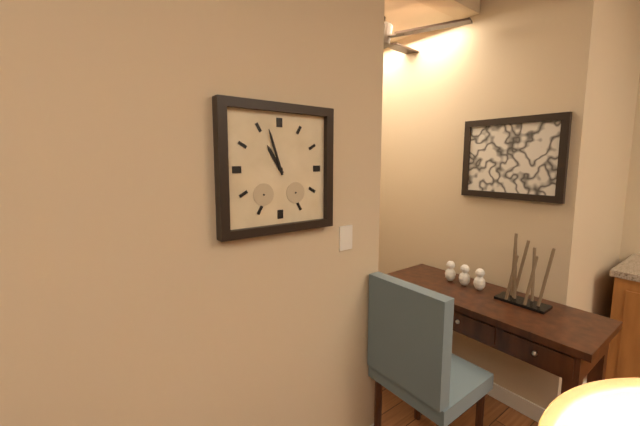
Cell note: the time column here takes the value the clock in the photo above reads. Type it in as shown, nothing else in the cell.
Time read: 10:57
